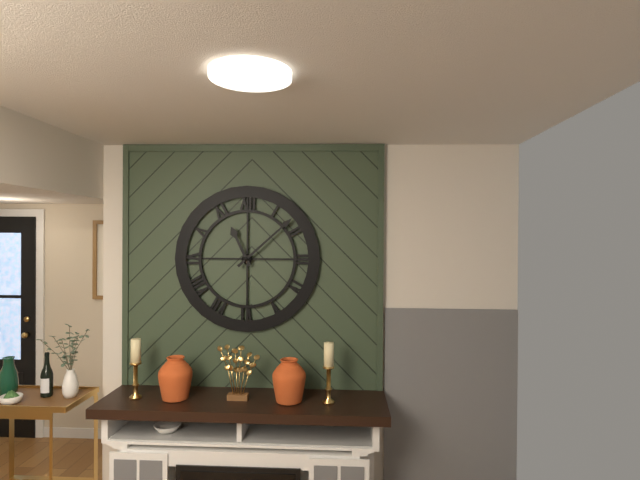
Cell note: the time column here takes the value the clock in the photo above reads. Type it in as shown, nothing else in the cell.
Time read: 11:08
